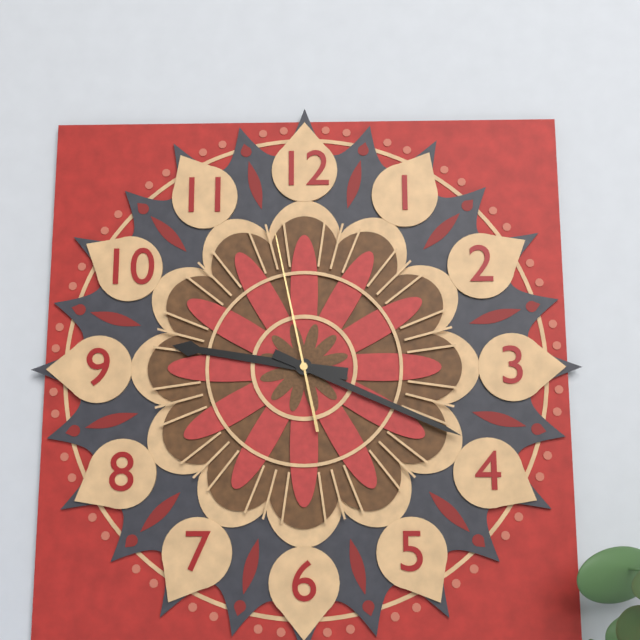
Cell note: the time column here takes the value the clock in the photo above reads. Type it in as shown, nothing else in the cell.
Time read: 9:19:58
